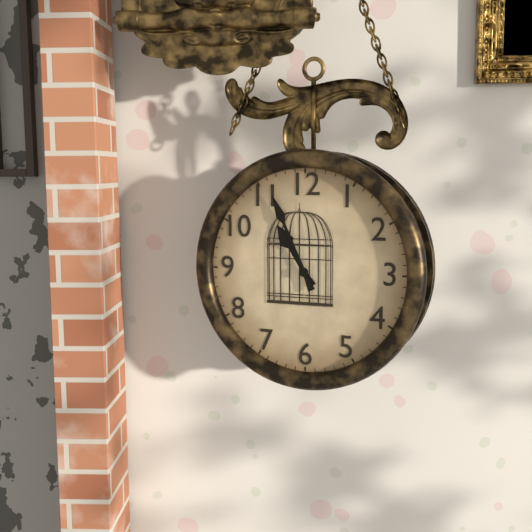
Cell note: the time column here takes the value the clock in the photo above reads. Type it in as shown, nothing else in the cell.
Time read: 10:56
